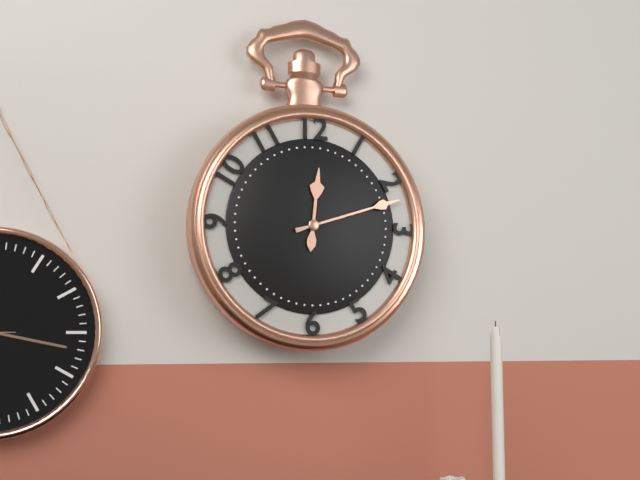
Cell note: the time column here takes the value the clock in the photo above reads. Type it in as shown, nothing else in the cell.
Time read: 12:12
